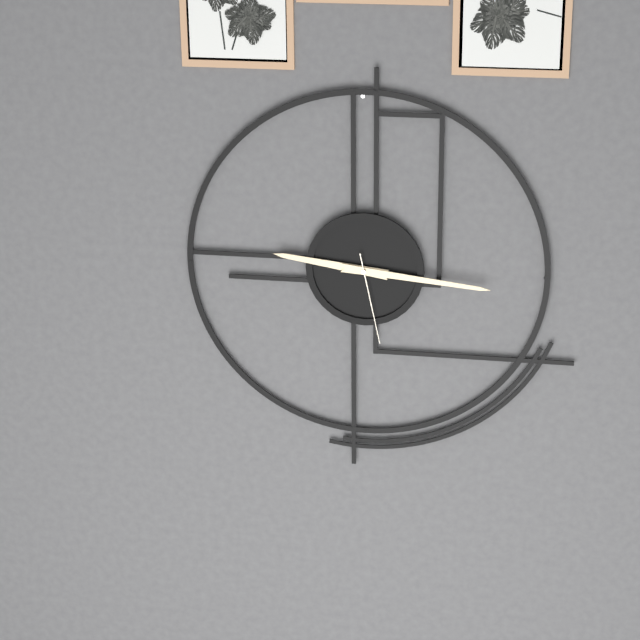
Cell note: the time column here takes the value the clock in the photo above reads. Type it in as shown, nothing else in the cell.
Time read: 9:16:28
